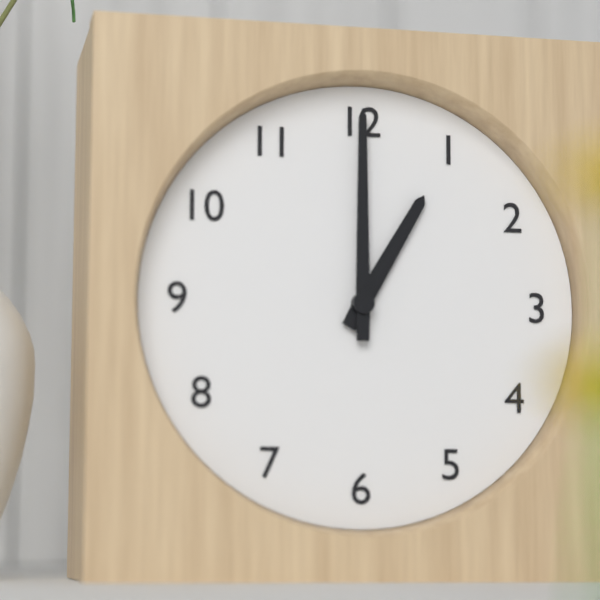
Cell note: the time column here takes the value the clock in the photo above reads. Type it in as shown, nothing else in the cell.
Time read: 1:00
